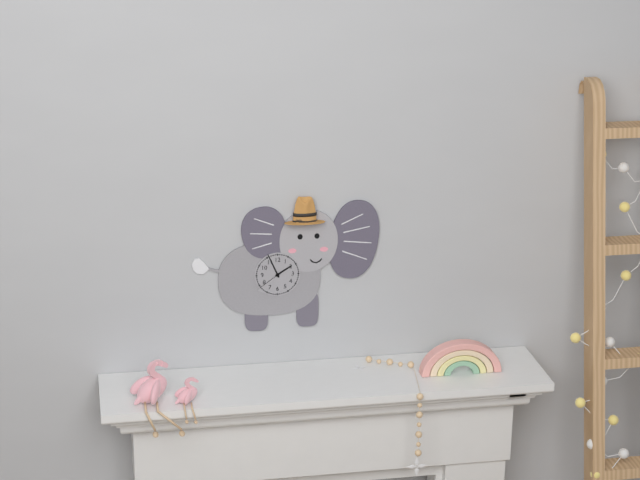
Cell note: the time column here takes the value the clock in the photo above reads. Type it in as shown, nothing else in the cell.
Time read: 1:56
